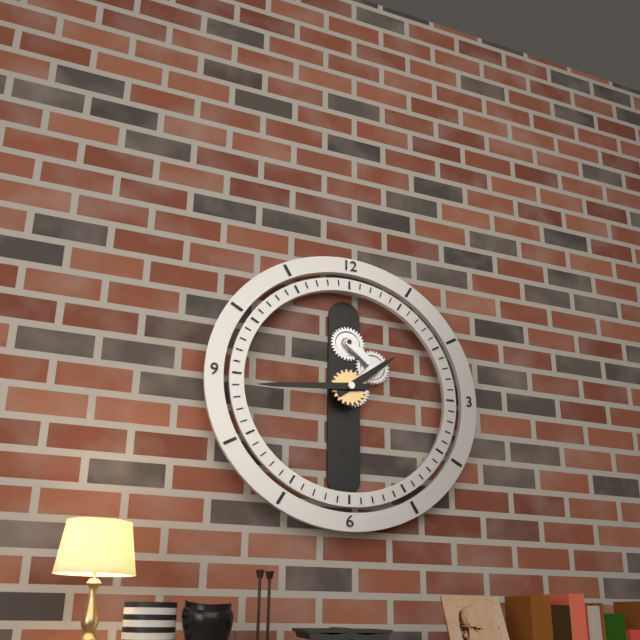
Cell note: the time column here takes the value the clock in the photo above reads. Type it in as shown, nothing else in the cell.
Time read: 1:44
